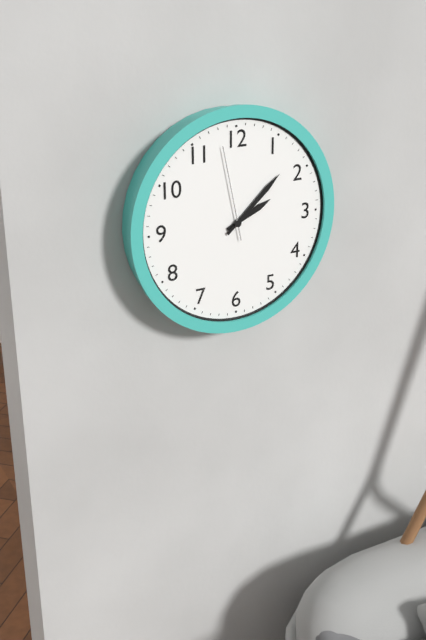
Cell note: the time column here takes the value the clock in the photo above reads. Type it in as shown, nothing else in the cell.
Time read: 2:08:58
